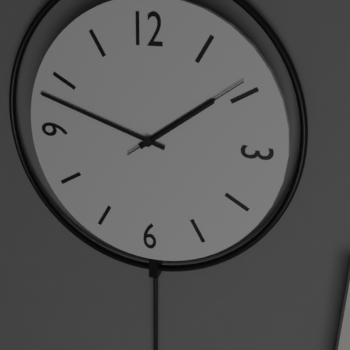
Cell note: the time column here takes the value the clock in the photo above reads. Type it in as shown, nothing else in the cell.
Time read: 1:48:09
